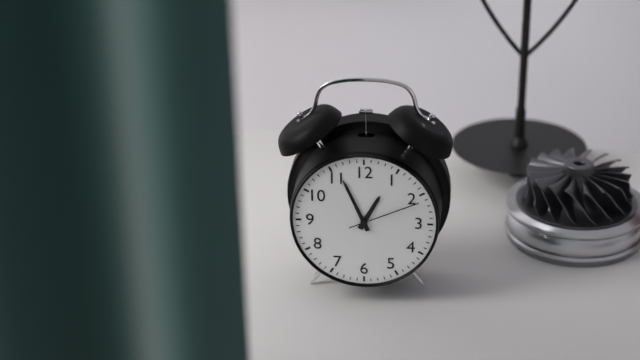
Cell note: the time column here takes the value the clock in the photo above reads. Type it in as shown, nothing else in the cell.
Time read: 12:56:11
